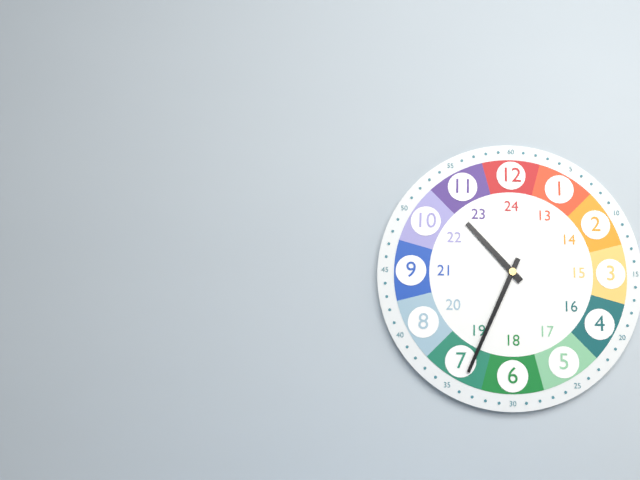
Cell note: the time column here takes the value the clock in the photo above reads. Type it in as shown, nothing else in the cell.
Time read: 10:34
